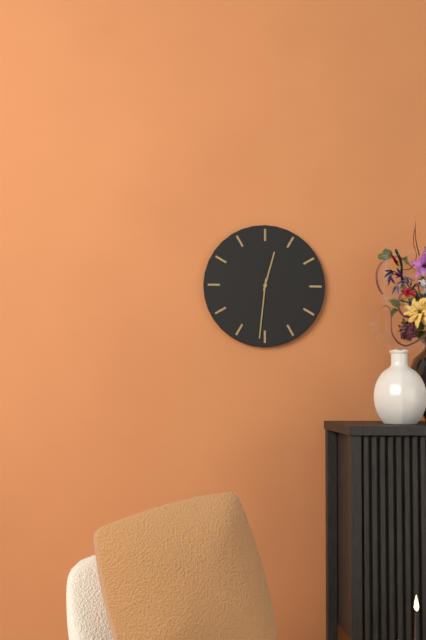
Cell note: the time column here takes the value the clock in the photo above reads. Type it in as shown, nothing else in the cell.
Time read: 12:31
